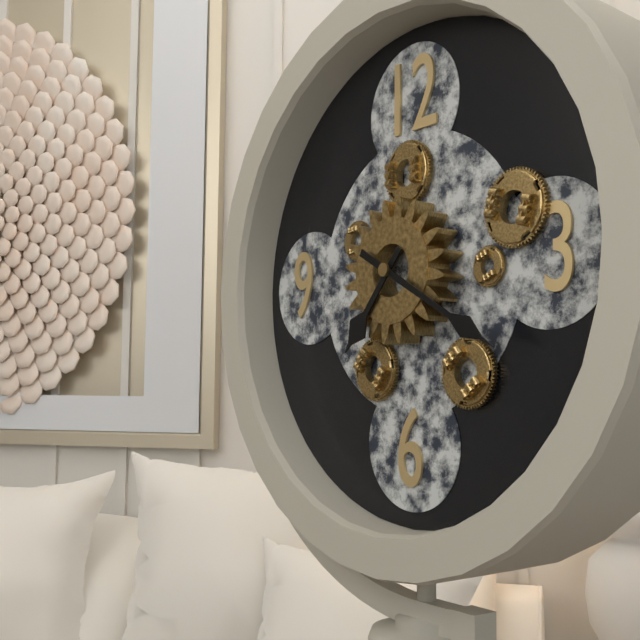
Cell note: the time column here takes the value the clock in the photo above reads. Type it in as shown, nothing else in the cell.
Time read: 7:20
